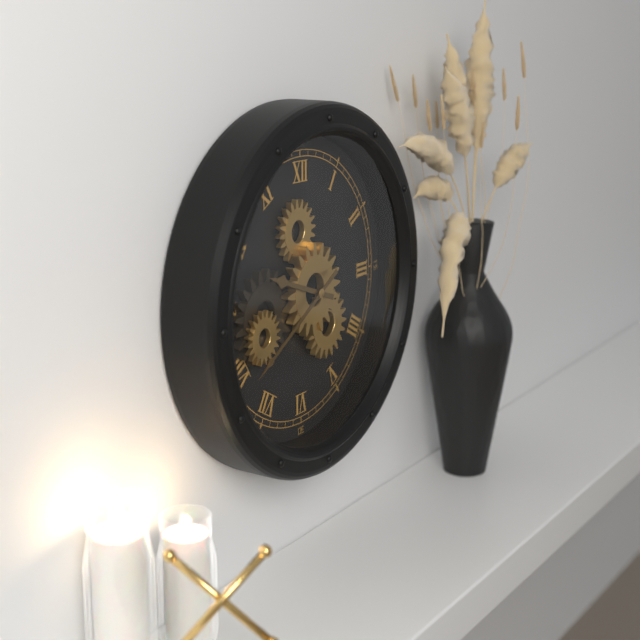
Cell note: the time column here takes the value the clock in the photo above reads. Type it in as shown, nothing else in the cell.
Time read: 9:40
